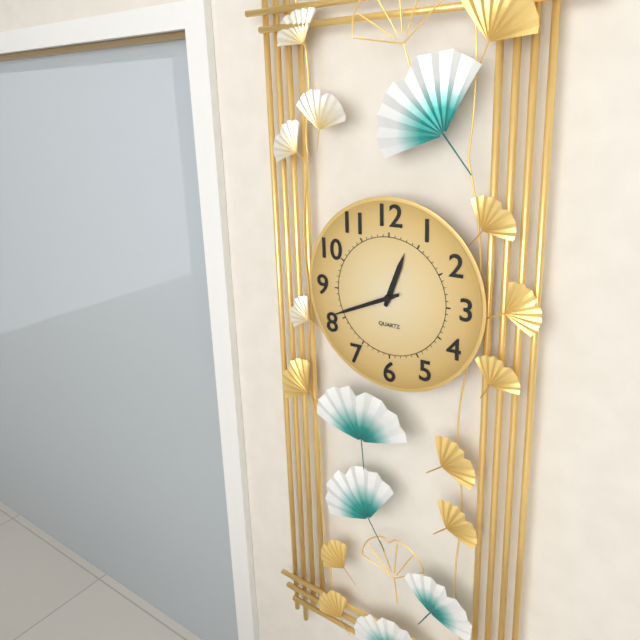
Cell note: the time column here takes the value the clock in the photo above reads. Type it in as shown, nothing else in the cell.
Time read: 12:41
